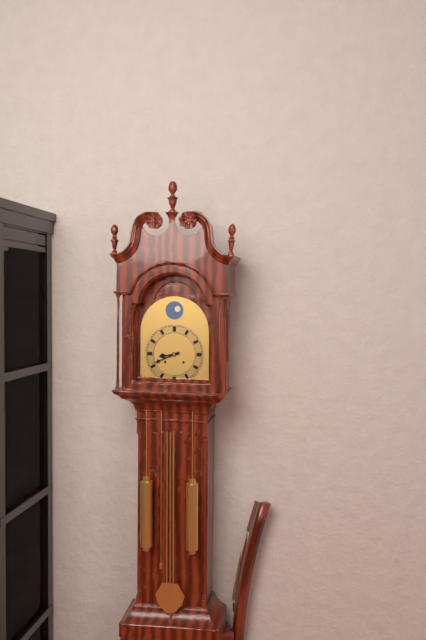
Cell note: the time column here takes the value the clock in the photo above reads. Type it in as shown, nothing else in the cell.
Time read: 8:41
